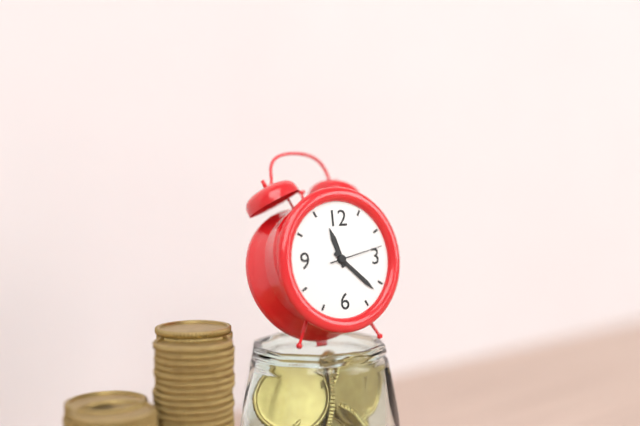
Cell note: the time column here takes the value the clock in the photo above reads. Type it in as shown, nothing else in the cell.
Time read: 11:22:13
